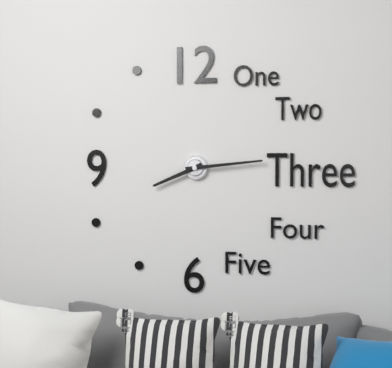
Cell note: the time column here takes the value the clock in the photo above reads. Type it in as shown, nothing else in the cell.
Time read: 8:14
